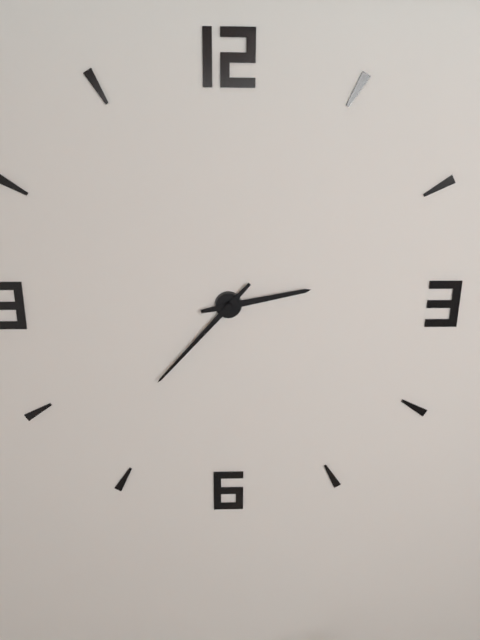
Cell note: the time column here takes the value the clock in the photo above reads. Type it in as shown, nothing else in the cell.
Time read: 2:37
